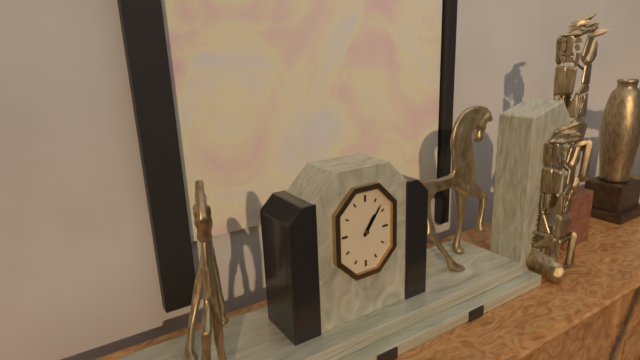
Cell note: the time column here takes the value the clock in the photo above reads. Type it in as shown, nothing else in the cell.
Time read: 1:06
